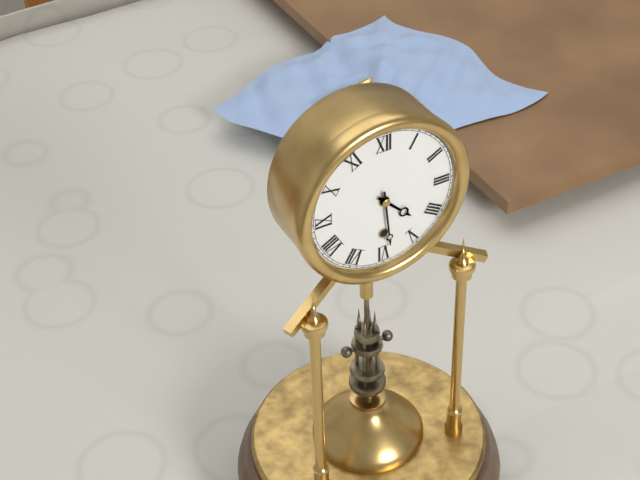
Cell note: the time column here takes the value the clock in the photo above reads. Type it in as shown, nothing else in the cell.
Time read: 4:29
